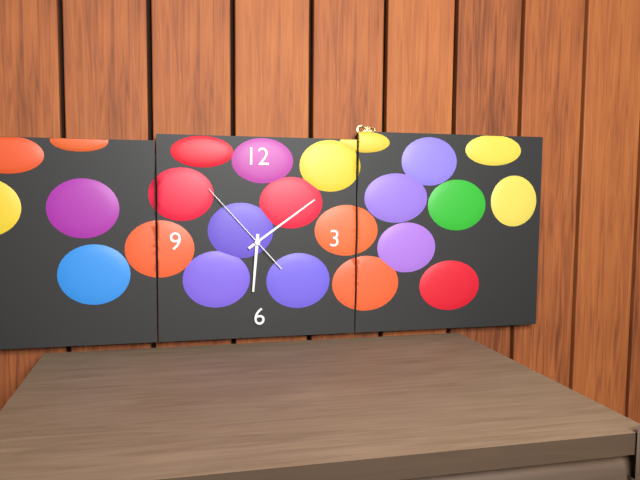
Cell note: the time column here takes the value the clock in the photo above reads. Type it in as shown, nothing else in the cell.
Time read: 6:09:53
